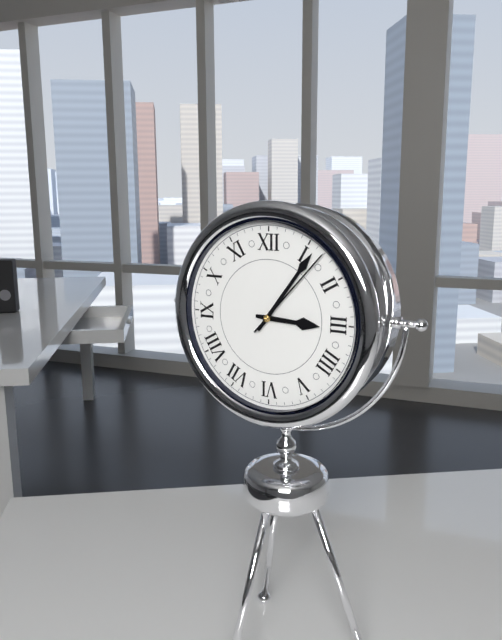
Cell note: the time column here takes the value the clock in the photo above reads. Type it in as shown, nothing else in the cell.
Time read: 3:06:07
